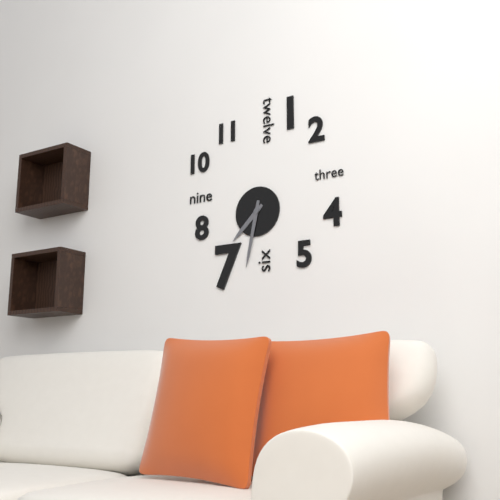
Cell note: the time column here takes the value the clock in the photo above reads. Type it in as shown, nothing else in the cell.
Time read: 7:32
